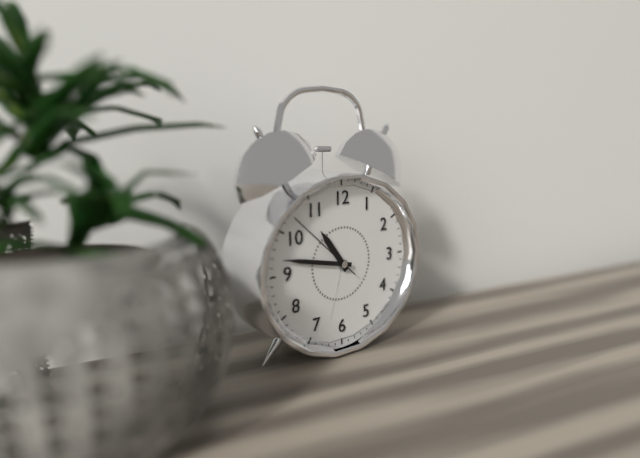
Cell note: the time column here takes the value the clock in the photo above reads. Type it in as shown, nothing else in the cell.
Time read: 10:47:52
